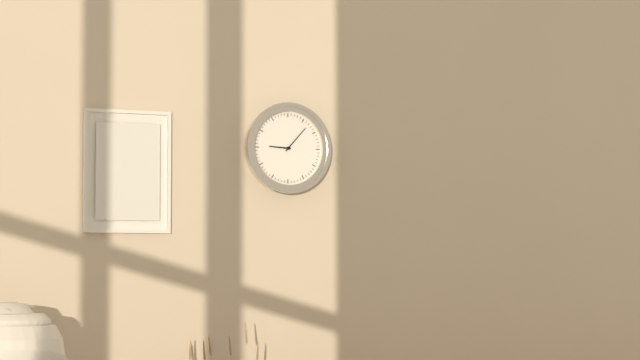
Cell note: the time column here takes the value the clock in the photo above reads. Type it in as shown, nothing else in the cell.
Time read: 9:07
